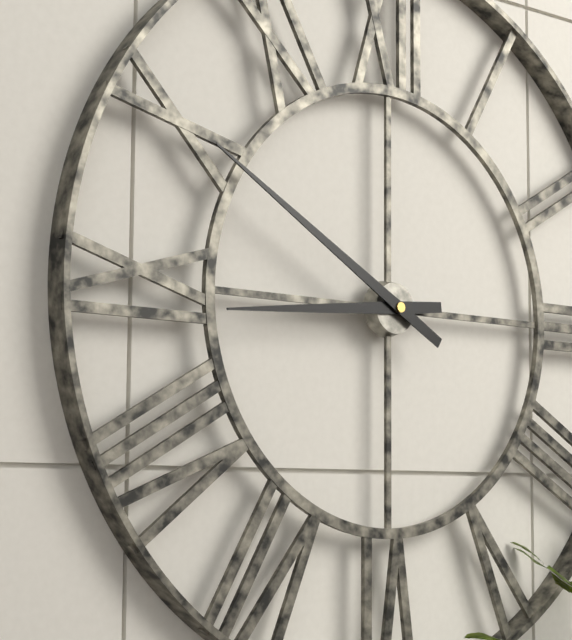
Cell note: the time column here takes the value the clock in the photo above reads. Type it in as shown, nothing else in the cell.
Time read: 8:50
